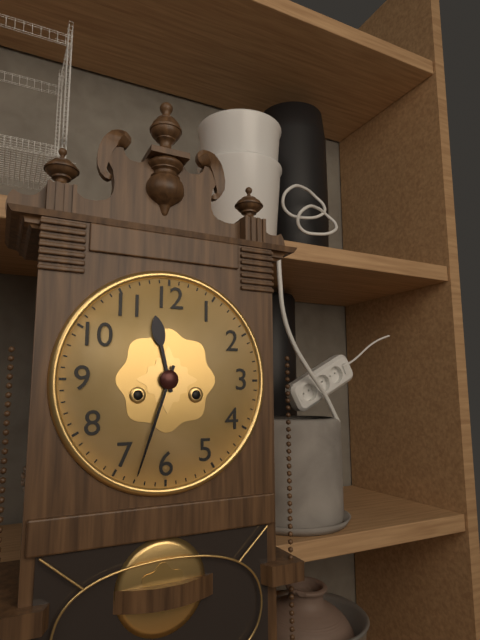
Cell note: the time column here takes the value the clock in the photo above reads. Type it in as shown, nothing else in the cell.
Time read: 11:33
